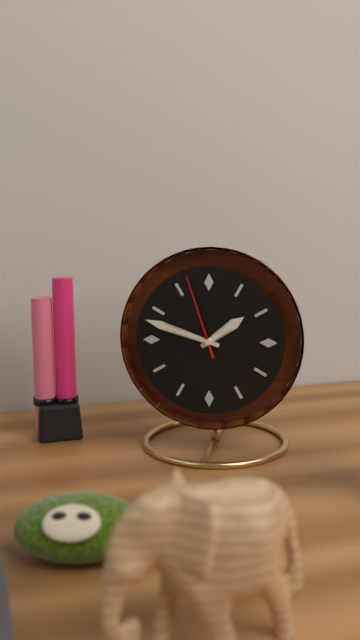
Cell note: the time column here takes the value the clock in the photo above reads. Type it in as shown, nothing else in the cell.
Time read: 1:48:57
